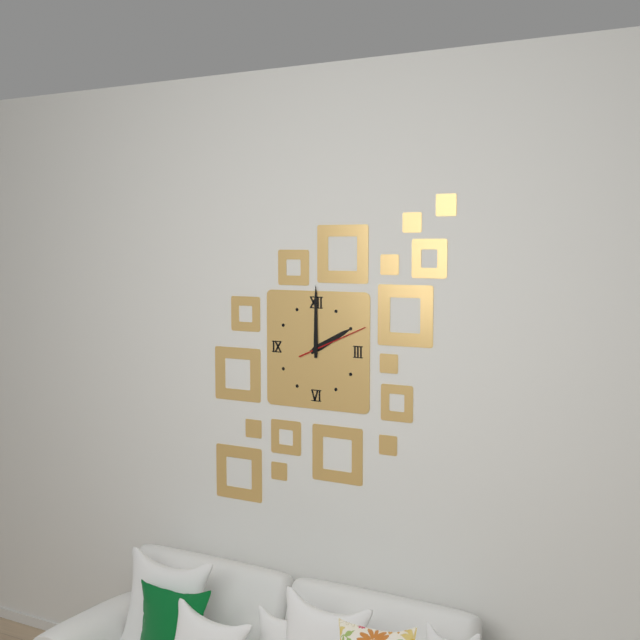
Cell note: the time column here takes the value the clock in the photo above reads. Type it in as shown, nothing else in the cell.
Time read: 2:00:11
